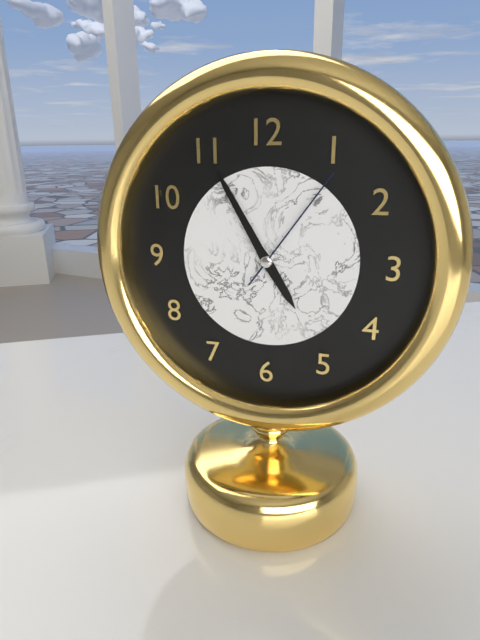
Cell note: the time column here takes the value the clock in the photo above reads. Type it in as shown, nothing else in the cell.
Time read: 4:55:06
